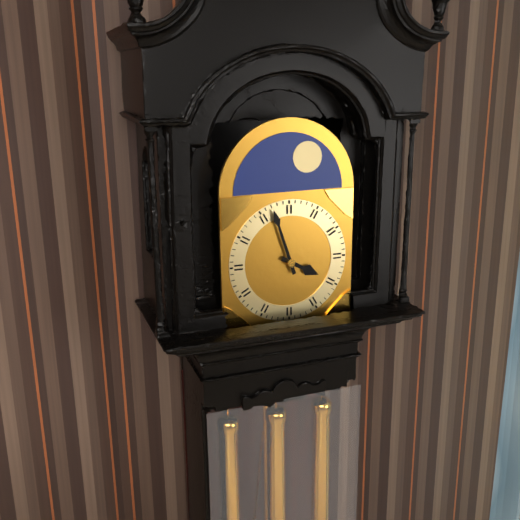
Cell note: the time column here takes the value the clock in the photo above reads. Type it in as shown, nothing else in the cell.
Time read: 3:57
